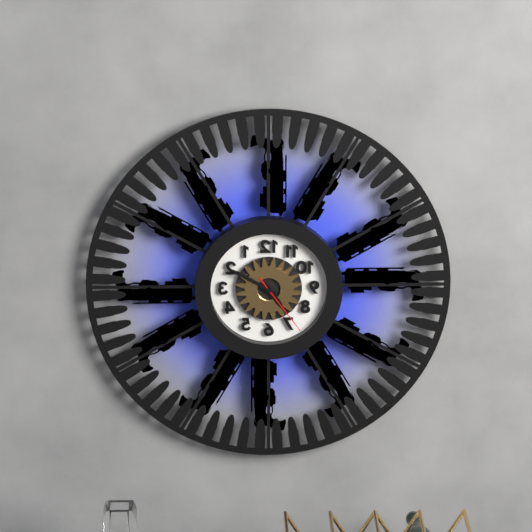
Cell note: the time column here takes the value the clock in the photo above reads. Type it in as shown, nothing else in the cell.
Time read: 4:50:24
